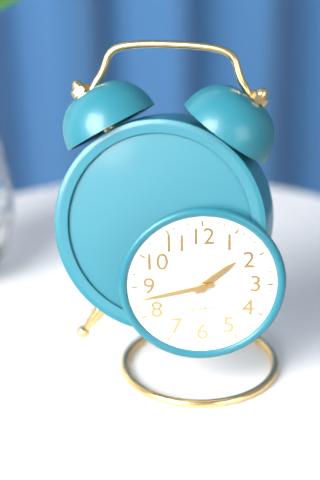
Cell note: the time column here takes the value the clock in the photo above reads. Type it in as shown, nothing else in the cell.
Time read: 1:43
